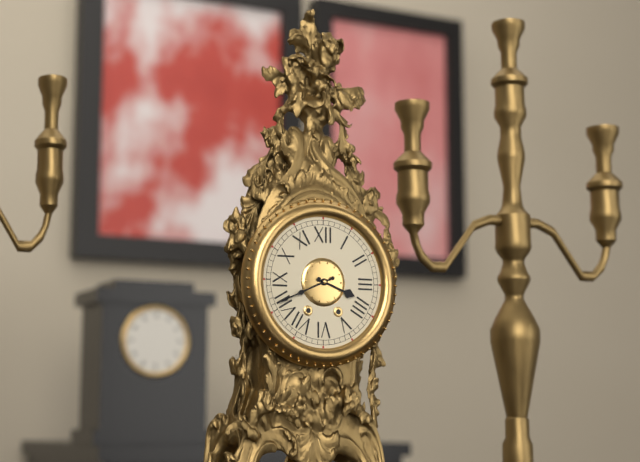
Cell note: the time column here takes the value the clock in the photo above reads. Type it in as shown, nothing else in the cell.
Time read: 3:41
